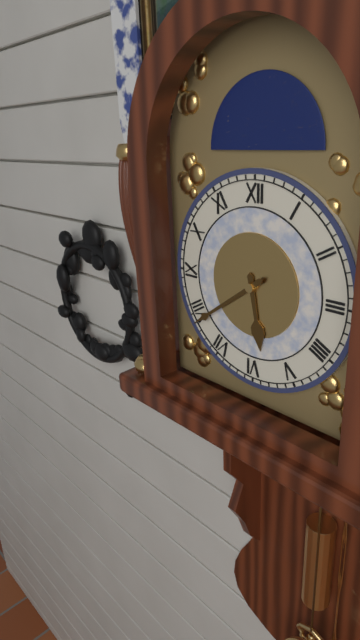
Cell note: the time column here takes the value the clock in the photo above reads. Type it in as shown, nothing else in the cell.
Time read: 5:39
